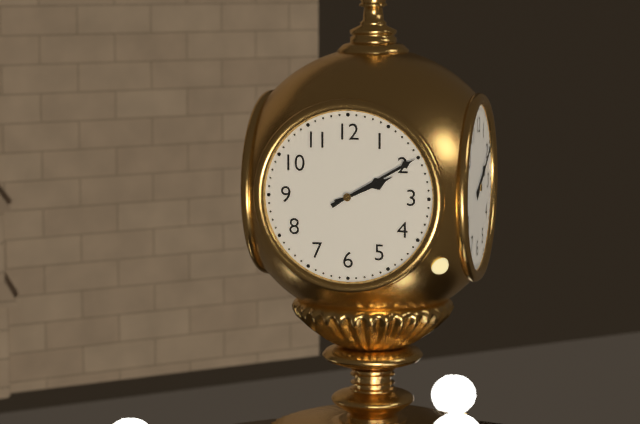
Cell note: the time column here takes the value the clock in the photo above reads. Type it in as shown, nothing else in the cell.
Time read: 2:10
